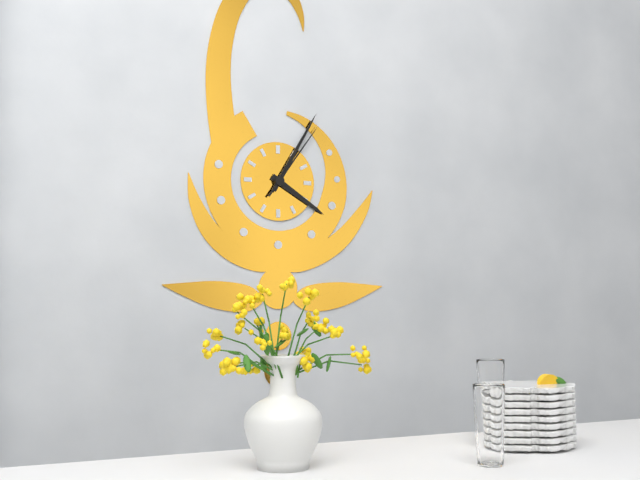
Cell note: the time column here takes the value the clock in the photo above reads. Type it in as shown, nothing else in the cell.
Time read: 4:05:06
